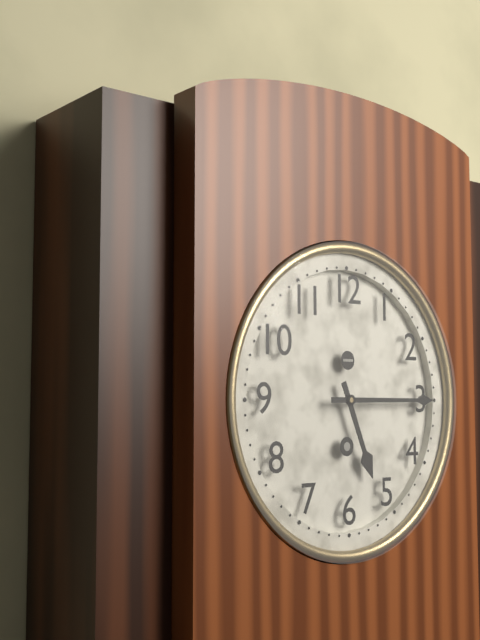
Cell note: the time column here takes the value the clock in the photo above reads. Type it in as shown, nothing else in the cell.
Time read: 5:15
